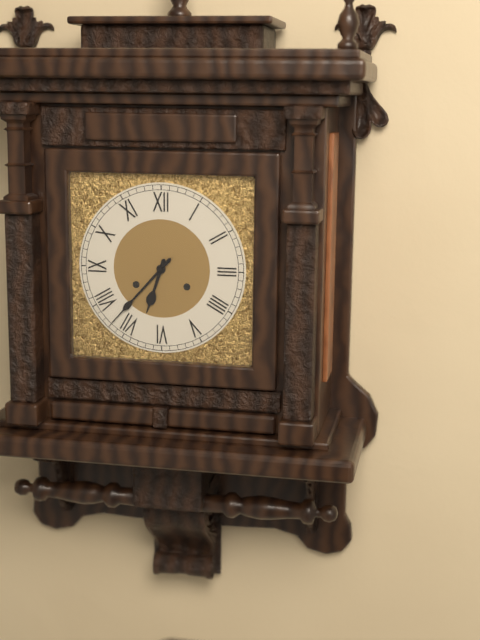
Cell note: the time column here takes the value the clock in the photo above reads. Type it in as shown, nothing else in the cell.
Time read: 6:37
